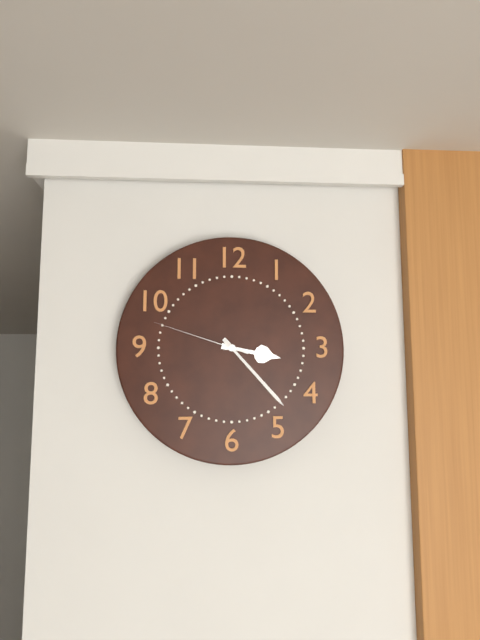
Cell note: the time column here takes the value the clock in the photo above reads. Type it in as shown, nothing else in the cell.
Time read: 3:23:48
